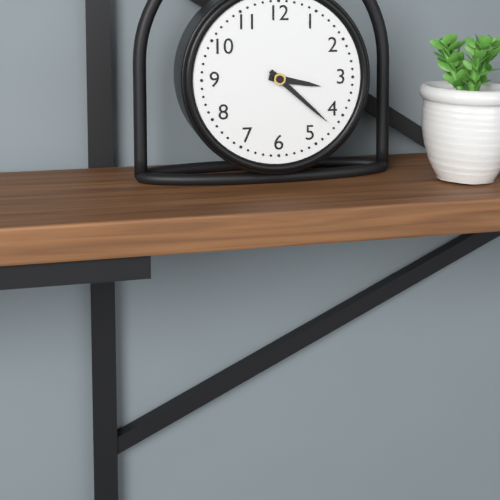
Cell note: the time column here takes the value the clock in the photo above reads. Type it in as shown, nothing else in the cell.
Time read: 3:22
